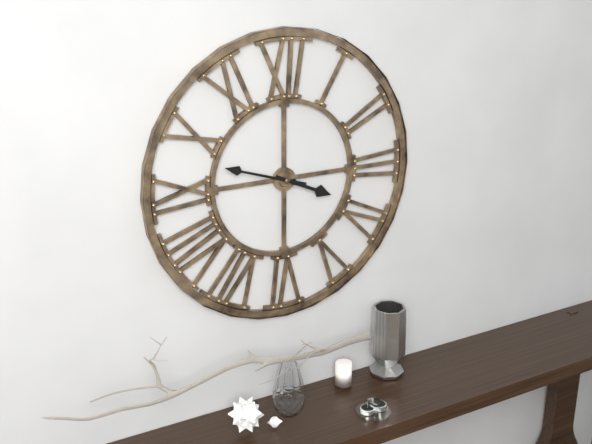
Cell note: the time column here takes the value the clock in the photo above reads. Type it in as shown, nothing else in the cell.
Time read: 3:48
